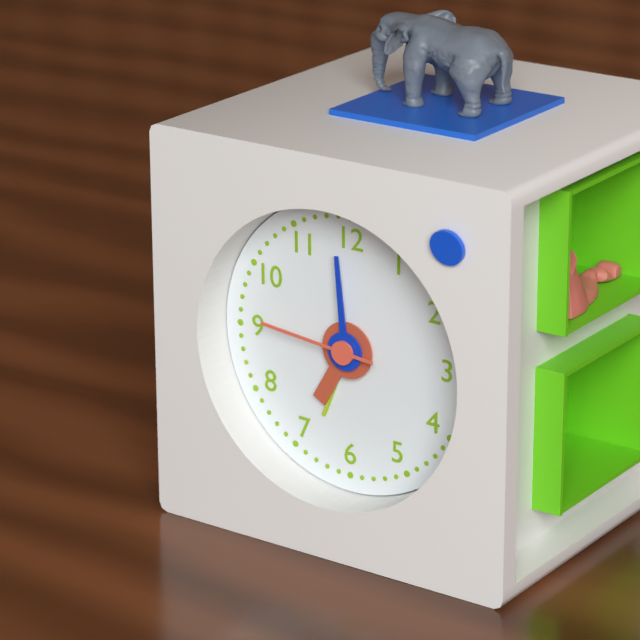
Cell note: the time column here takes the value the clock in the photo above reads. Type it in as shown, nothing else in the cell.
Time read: 6:59:46
